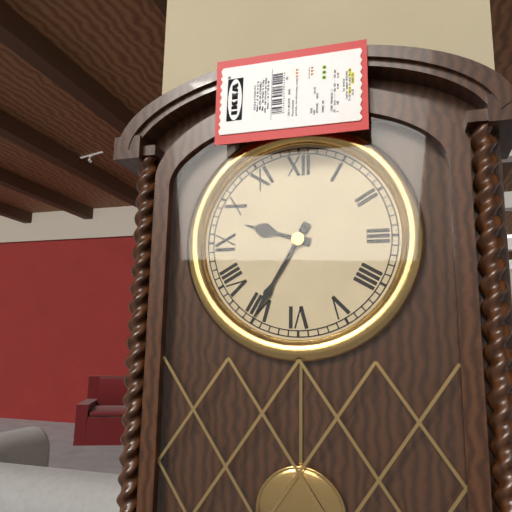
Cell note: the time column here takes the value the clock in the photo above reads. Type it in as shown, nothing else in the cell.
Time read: 9:35
